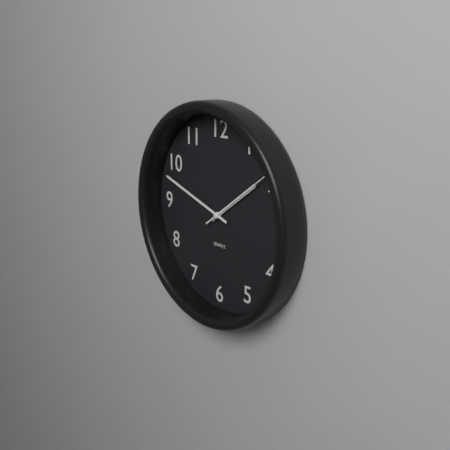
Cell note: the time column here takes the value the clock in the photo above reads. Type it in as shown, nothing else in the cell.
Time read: 1:48:09
